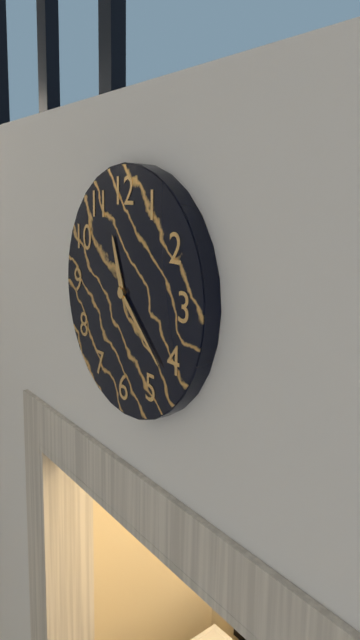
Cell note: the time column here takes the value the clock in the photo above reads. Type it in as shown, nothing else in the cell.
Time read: 11:22
